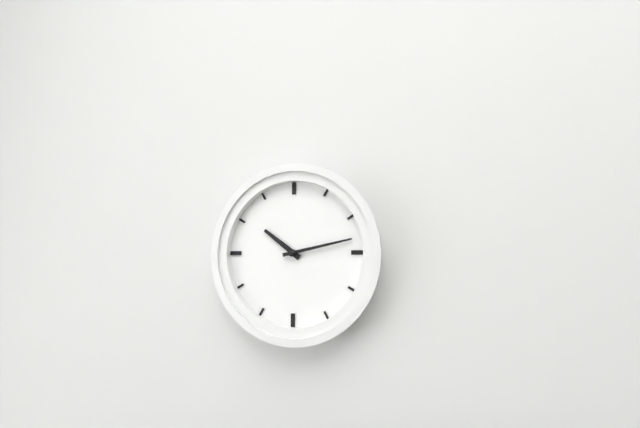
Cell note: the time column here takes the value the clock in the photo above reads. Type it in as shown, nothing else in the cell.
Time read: 10:13
